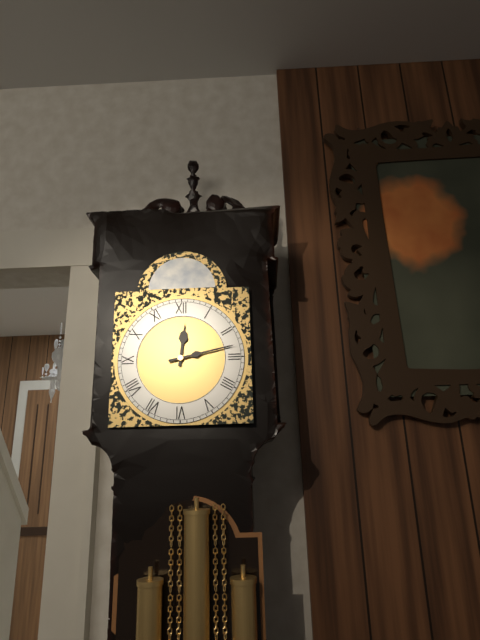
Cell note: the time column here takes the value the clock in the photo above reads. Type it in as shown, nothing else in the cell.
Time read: 12:13
